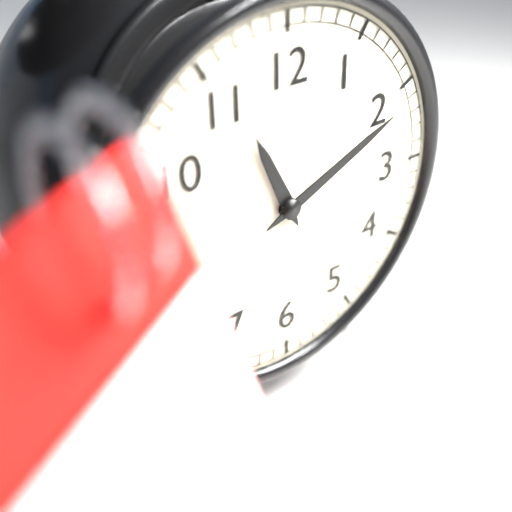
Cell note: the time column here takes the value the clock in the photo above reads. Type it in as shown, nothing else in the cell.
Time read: 11:11
